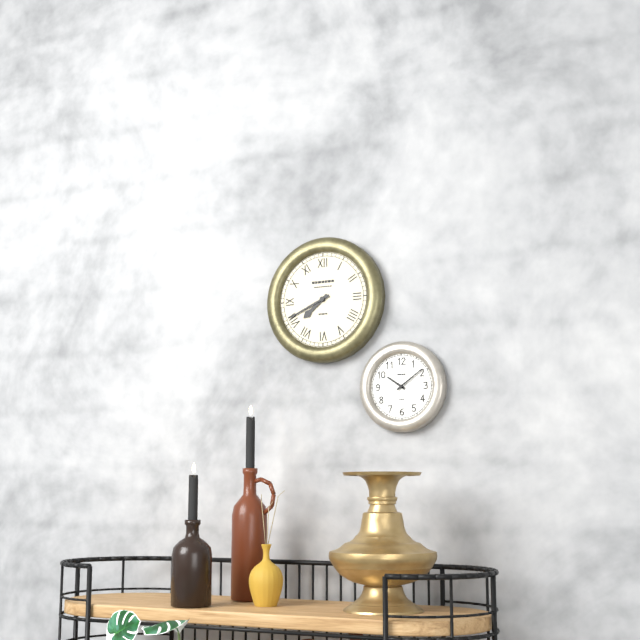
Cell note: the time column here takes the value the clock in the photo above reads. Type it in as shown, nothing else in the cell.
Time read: 7:41
